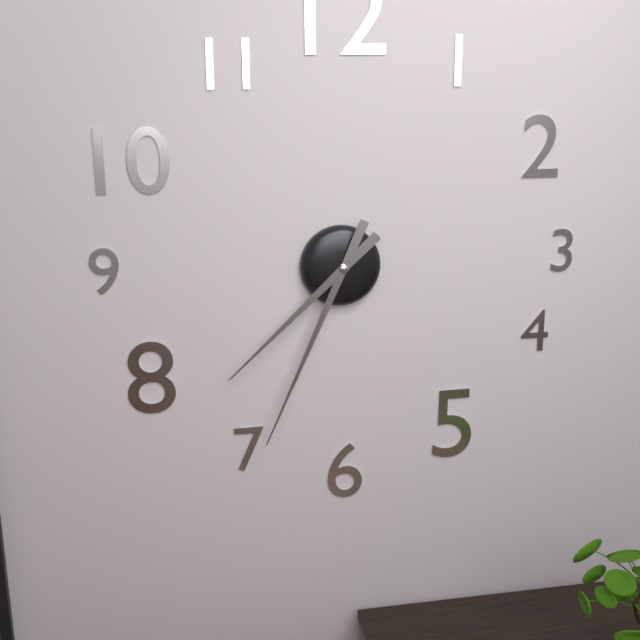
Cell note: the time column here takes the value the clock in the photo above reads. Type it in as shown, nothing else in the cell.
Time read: 7:34
